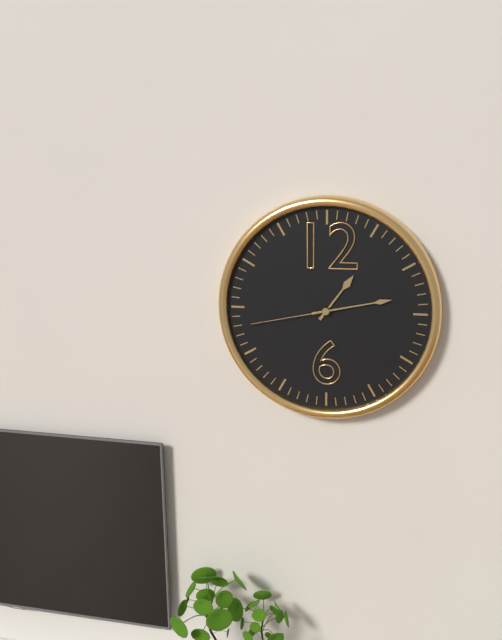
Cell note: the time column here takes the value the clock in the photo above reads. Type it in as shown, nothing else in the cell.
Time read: 1:13:43
